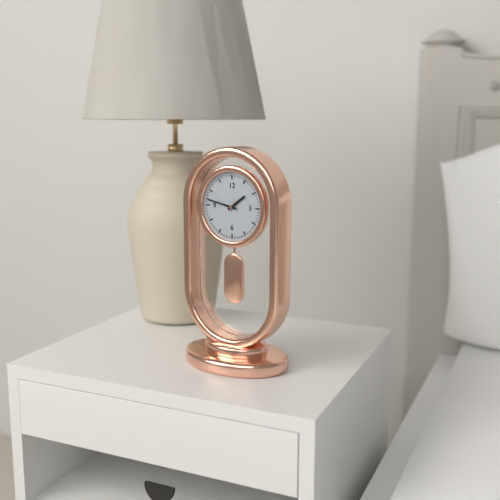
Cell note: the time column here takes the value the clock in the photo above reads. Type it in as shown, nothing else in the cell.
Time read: 1:47
